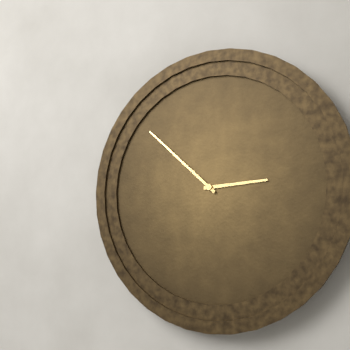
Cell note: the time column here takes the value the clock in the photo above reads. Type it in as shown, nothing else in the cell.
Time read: 2:52
